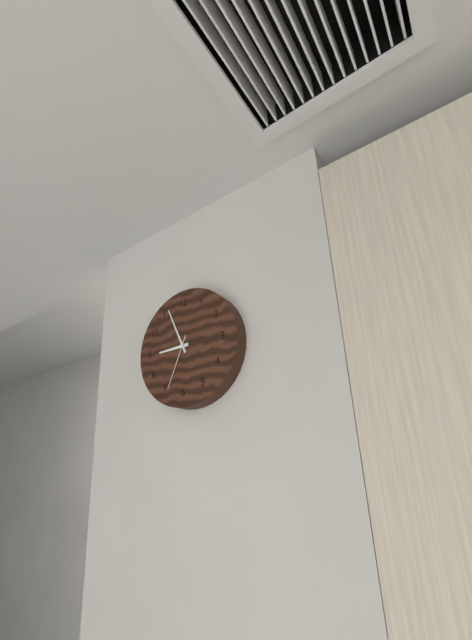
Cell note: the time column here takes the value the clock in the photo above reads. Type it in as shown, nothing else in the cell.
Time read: 8:56:34
